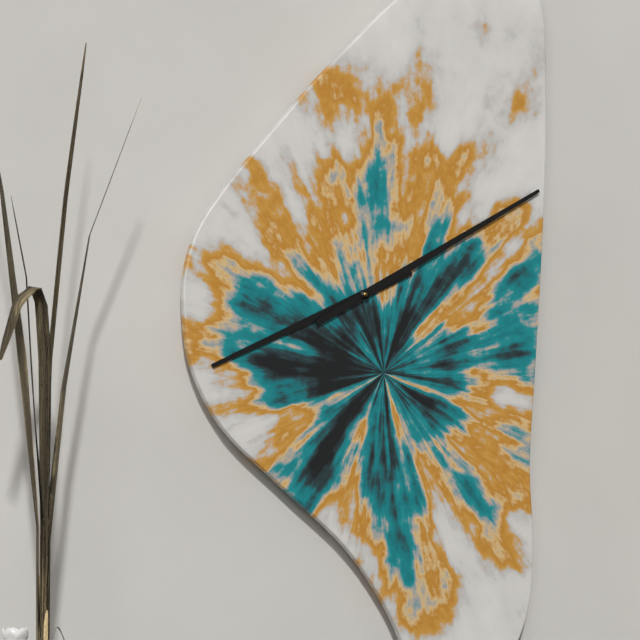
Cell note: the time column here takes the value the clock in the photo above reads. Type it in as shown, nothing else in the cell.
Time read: 8:10
